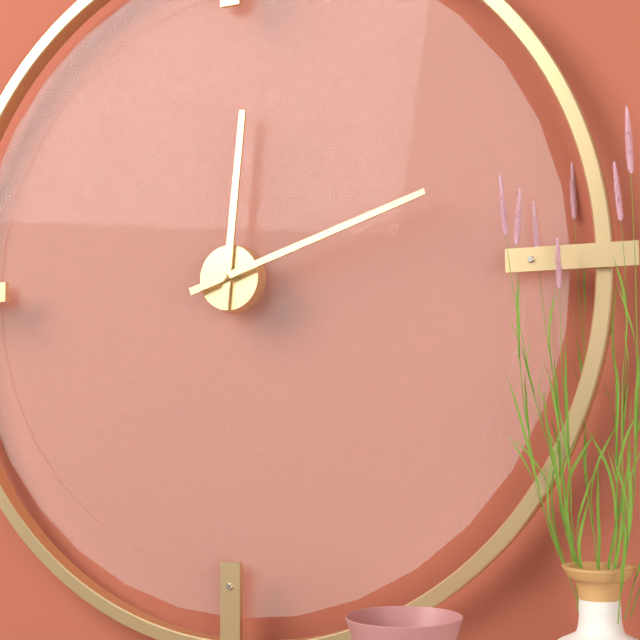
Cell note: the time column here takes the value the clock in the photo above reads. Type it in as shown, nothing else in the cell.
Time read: 12:12
